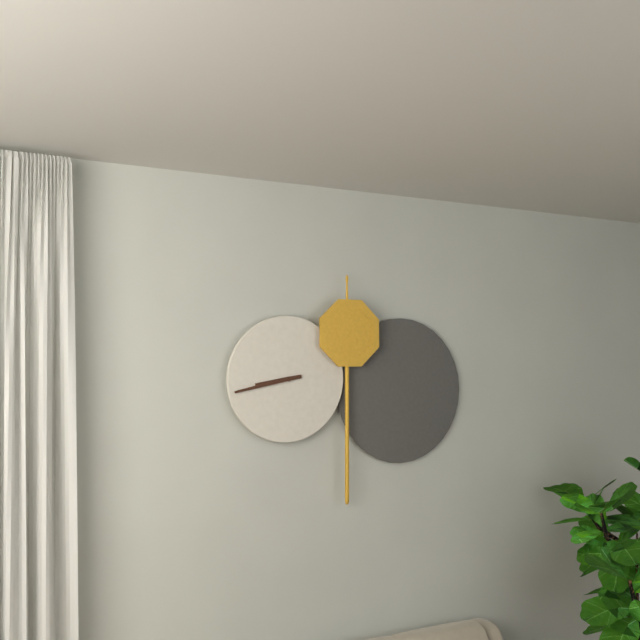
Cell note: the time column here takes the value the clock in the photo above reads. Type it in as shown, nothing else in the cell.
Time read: 8:43
